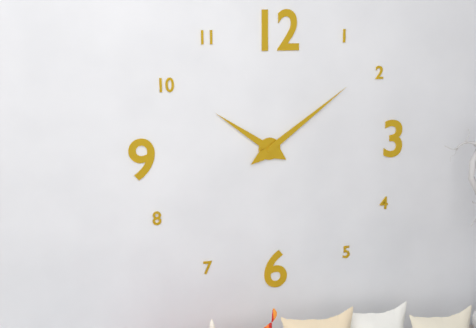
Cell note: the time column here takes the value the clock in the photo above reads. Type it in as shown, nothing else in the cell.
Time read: 10:09
